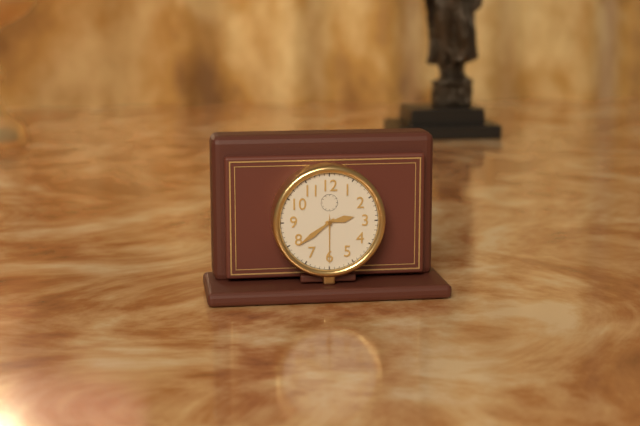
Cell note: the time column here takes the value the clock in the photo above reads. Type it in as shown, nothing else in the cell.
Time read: 2:39
